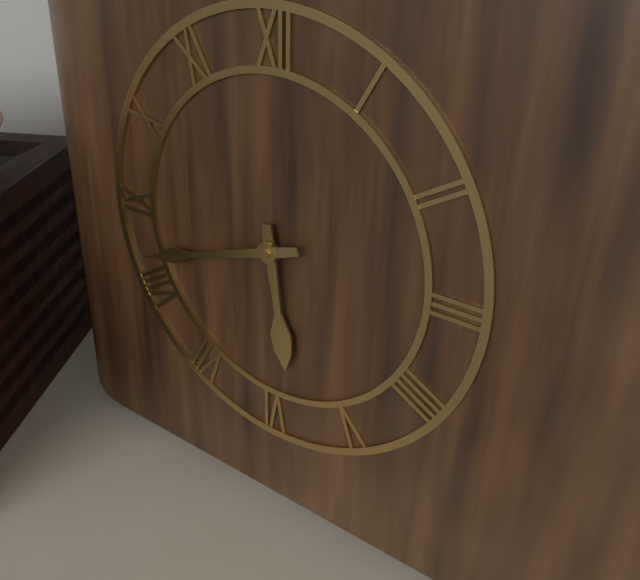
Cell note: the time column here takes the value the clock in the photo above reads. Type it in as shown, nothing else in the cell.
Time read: 5:42
